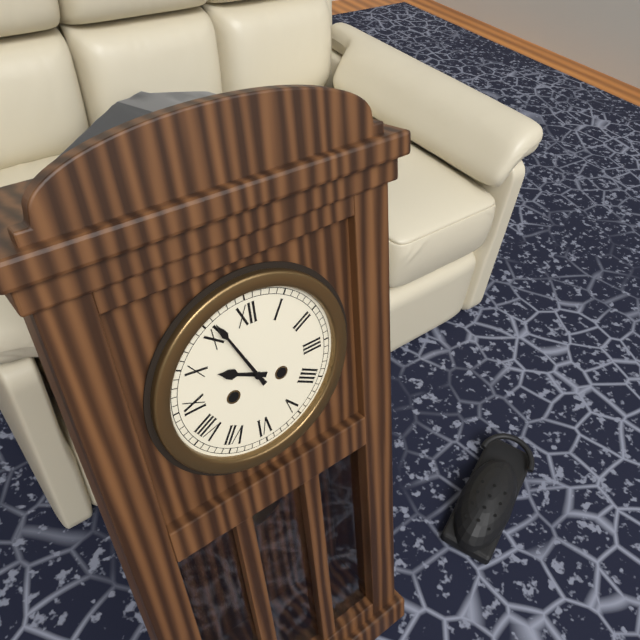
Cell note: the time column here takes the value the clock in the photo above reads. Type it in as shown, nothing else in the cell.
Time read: 9:56
